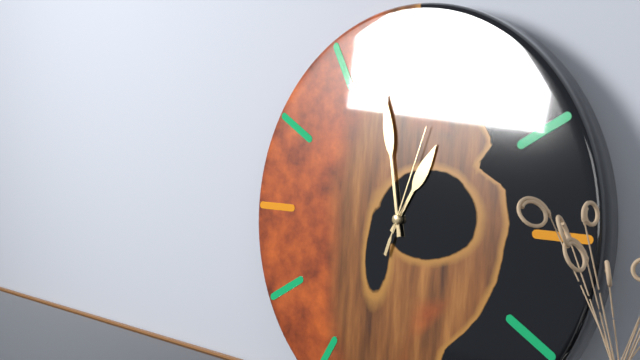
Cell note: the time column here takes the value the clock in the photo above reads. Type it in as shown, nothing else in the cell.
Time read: 12:58:03
